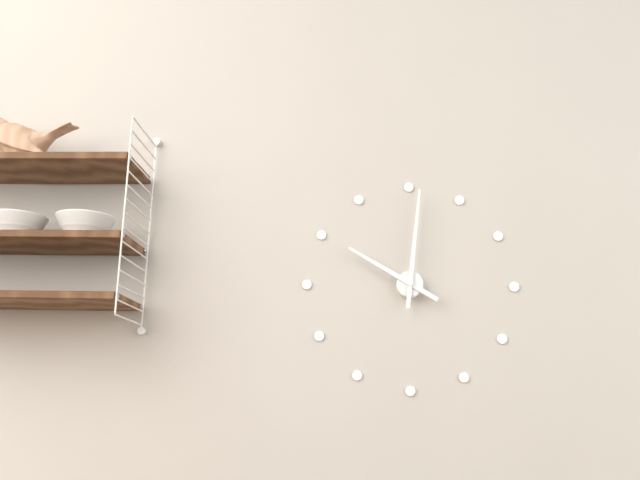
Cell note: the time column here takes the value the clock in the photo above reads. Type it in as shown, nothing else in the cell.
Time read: 10:01
